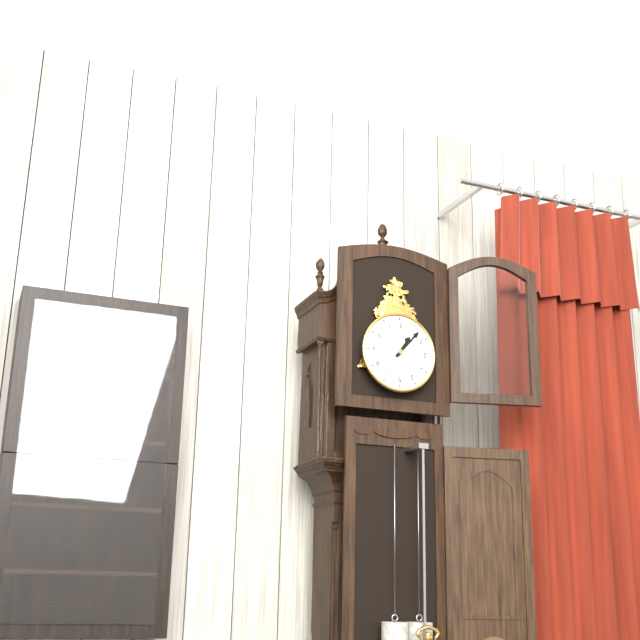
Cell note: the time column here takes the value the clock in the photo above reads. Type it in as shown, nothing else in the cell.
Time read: 1:07
